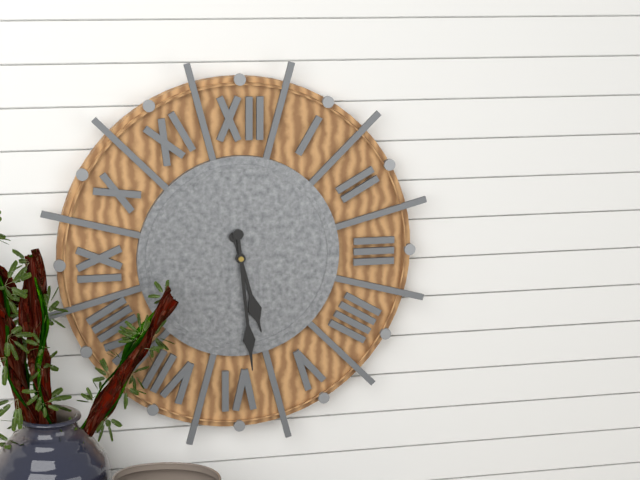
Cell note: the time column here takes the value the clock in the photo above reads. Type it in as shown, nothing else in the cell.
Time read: 5:29
